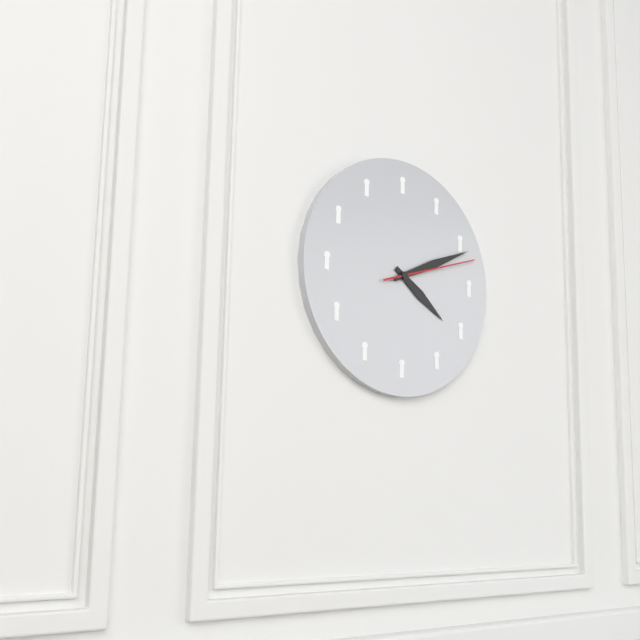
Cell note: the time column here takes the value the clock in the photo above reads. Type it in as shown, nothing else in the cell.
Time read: 4:11:12
